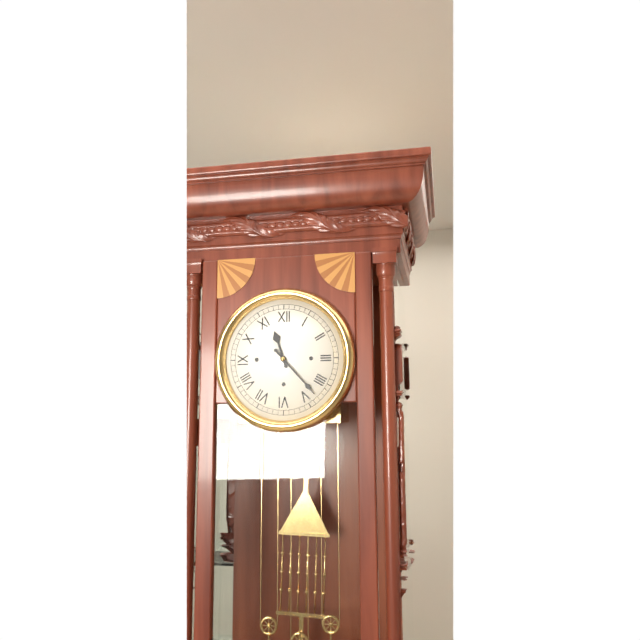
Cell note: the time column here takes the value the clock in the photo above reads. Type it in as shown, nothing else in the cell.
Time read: 11:23
